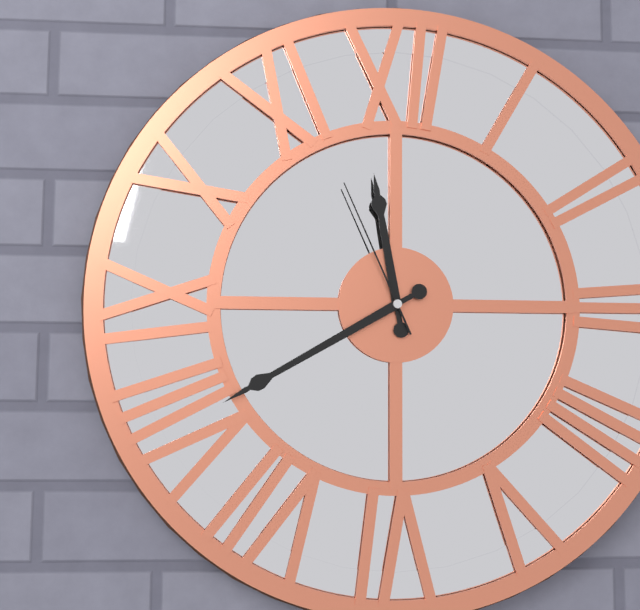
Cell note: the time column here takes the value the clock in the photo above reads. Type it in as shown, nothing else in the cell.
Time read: 11:40:56
